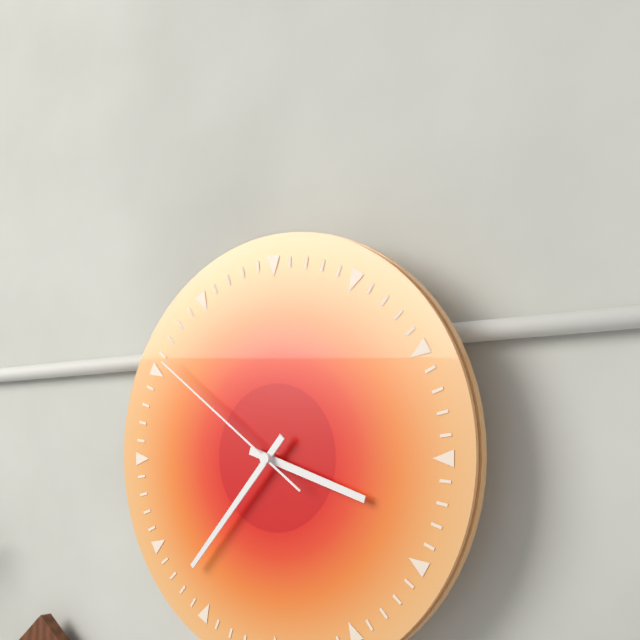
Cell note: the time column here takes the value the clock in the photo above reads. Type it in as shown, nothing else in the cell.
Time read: 3:37:51
